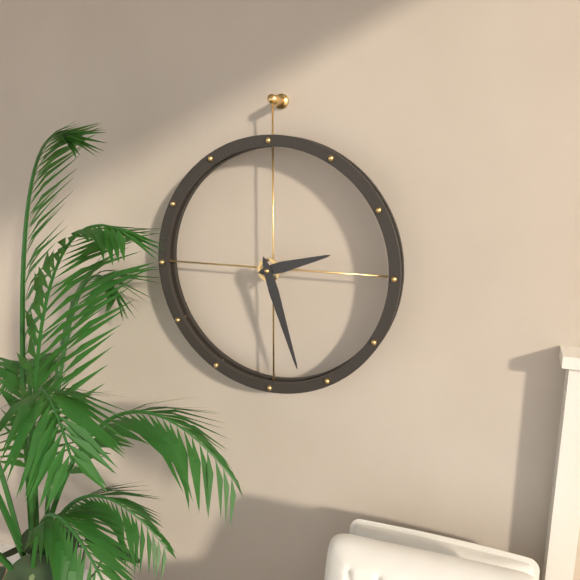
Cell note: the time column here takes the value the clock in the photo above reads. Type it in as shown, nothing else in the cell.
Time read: 2:27
